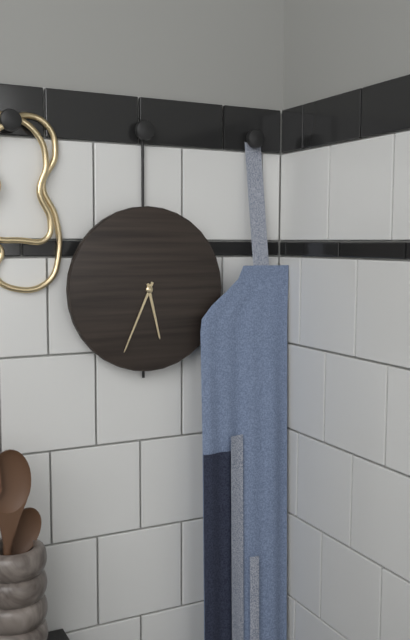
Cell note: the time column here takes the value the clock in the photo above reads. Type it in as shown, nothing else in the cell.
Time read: 5:34
